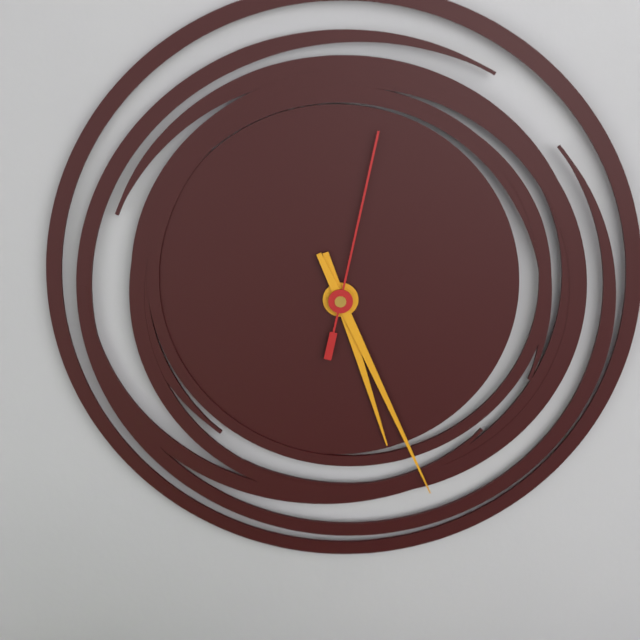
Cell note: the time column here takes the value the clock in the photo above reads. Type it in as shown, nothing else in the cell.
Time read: 5:26:02
